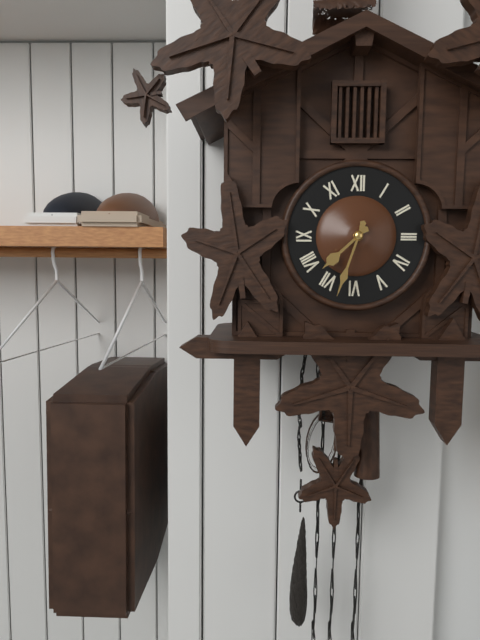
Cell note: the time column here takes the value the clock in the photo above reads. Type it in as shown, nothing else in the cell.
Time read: 7:33
